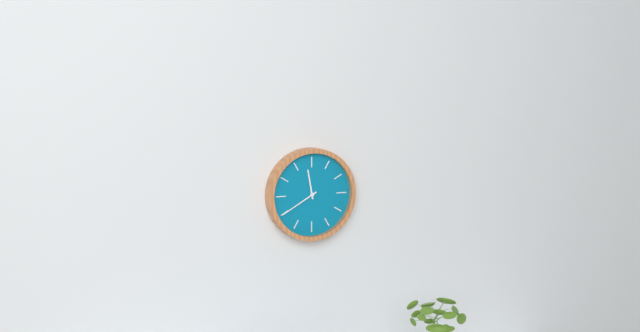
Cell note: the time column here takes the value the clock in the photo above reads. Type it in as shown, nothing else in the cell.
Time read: 11:40
